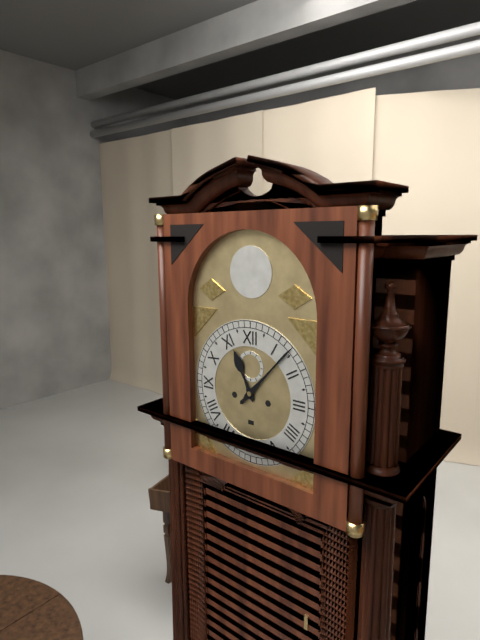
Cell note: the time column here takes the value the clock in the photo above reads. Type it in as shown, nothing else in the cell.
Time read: 11:07
